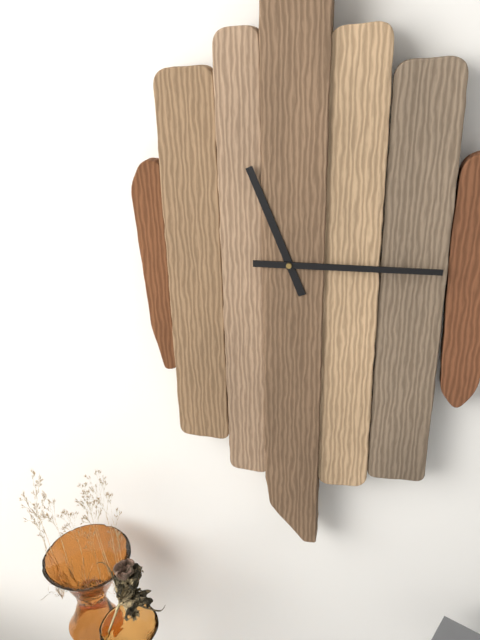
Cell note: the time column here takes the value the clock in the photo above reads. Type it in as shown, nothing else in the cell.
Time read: 11:15
